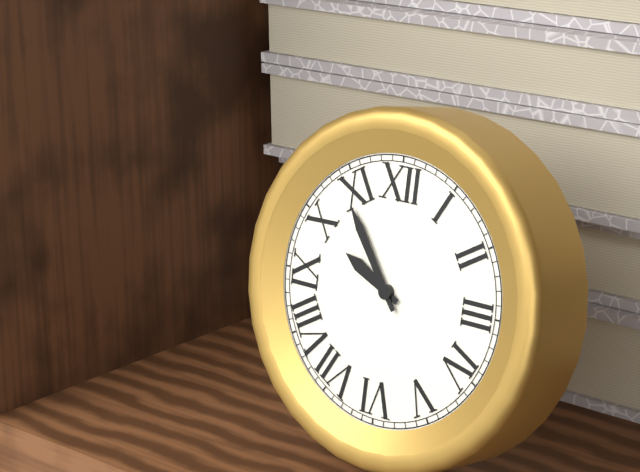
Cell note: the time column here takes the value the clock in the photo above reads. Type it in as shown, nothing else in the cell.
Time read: 9:54
